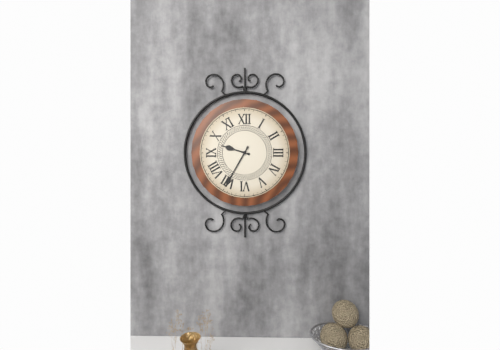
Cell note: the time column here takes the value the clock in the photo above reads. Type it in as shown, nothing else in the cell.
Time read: 9:35
